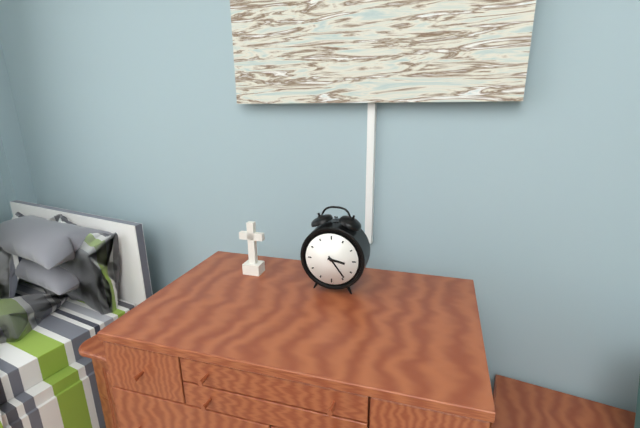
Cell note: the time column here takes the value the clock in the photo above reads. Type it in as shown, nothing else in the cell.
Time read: 3:24
